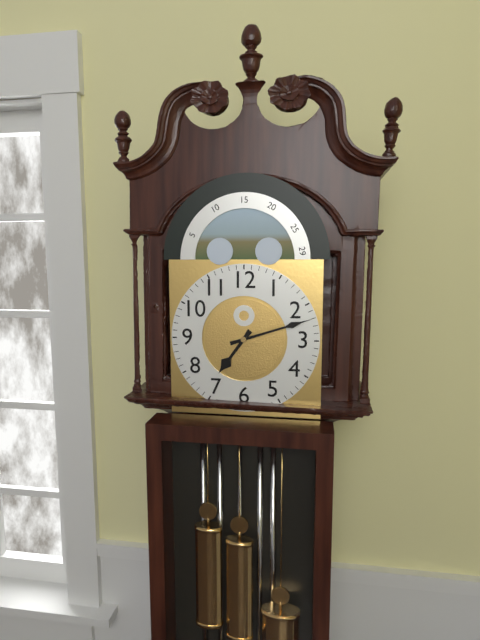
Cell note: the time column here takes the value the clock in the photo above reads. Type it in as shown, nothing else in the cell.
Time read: 7:12
